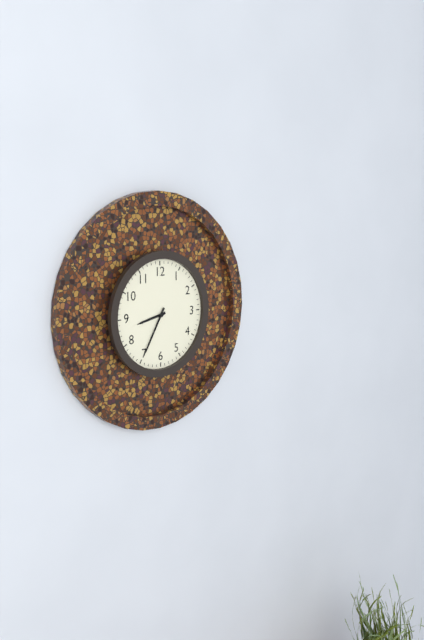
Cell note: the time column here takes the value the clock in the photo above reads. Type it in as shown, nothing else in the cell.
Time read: 8:35
